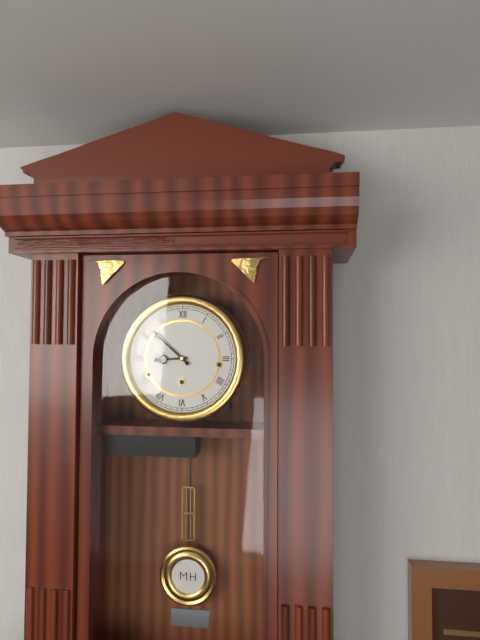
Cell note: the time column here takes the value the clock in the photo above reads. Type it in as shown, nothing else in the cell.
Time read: 8:52
